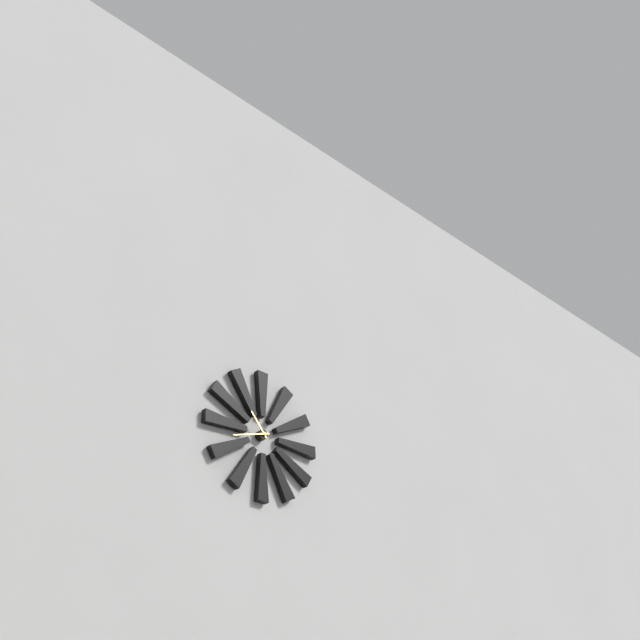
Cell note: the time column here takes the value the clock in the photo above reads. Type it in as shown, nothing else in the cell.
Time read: 10:42
